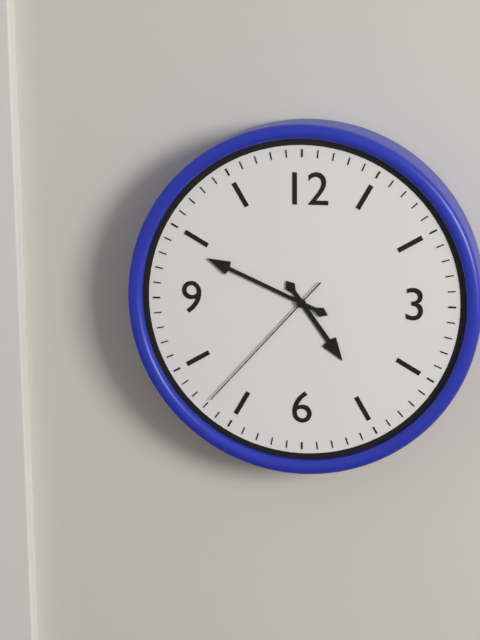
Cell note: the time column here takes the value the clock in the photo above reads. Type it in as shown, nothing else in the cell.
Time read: 4:49:37
